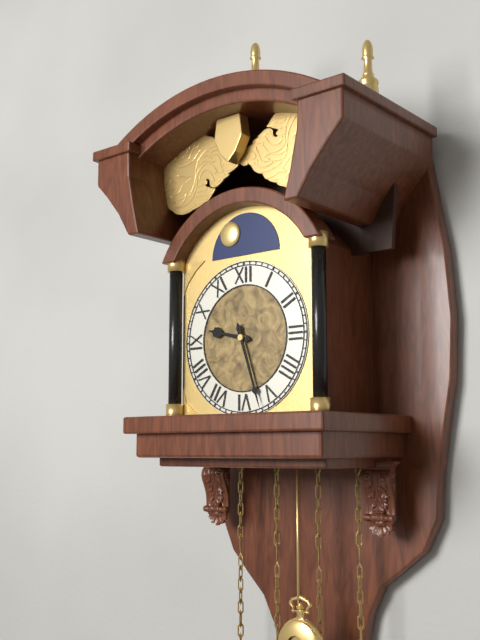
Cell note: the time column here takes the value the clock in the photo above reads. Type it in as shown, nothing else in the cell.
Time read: 9:27
